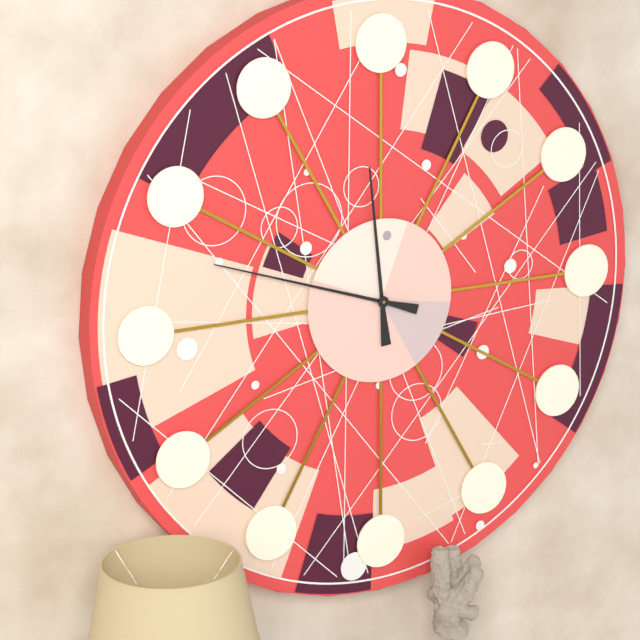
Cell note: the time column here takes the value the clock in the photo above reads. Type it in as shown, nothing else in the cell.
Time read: 11:48
